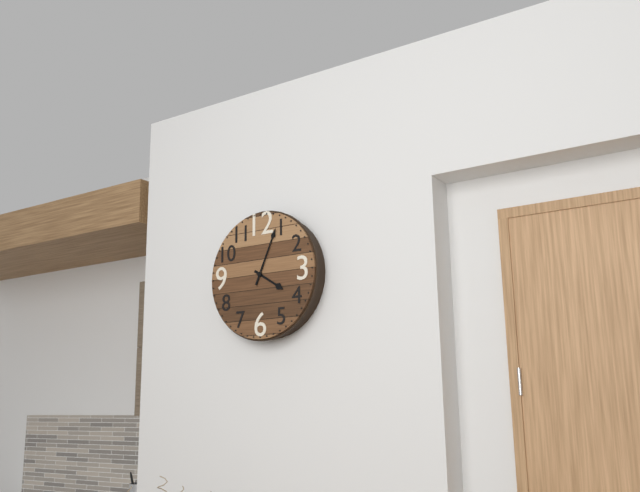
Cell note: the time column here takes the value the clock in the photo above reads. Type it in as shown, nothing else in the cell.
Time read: 4:04
